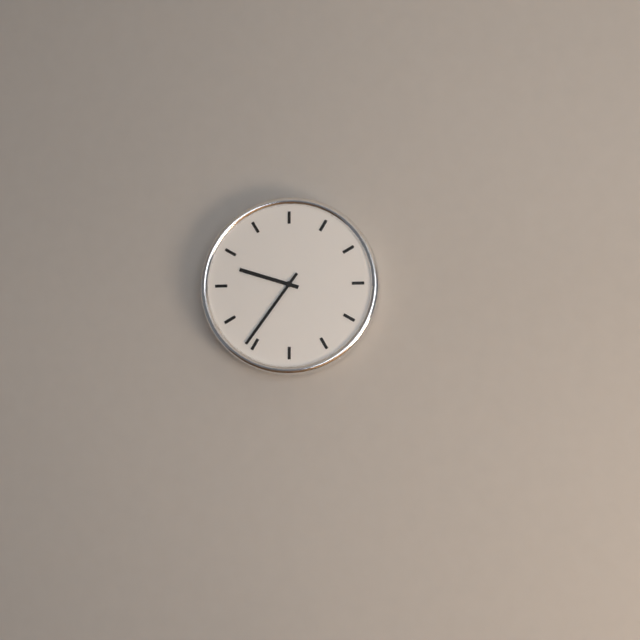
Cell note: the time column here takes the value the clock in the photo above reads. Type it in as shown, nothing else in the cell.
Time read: 9:36
